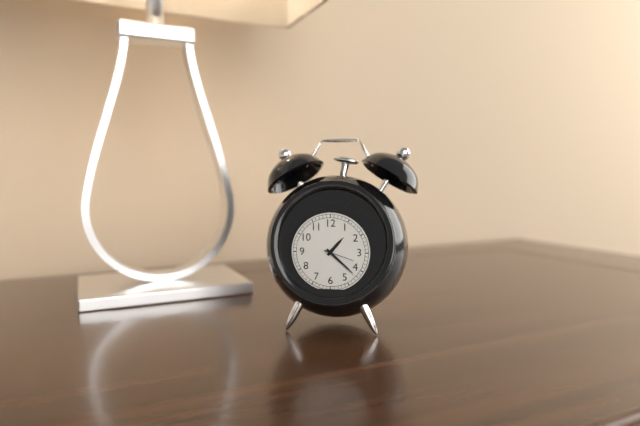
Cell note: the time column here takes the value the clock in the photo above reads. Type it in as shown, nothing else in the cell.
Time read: 1:22
